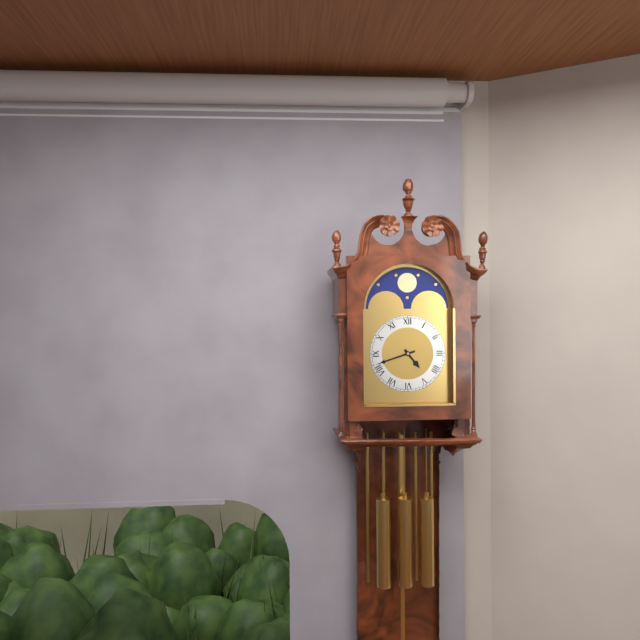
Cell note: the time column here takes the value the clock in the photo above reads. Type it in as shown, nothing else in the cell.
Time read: 4:42
